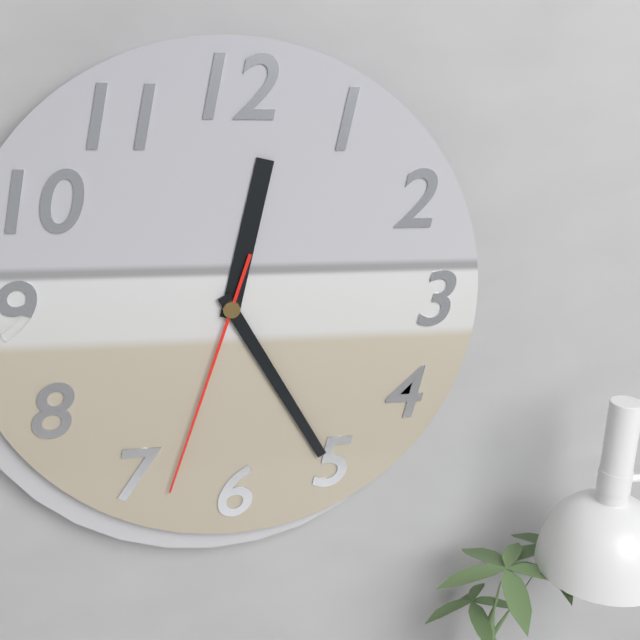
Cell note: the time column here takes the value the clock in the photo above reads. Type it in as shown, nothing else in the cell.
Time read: 12:25:33
